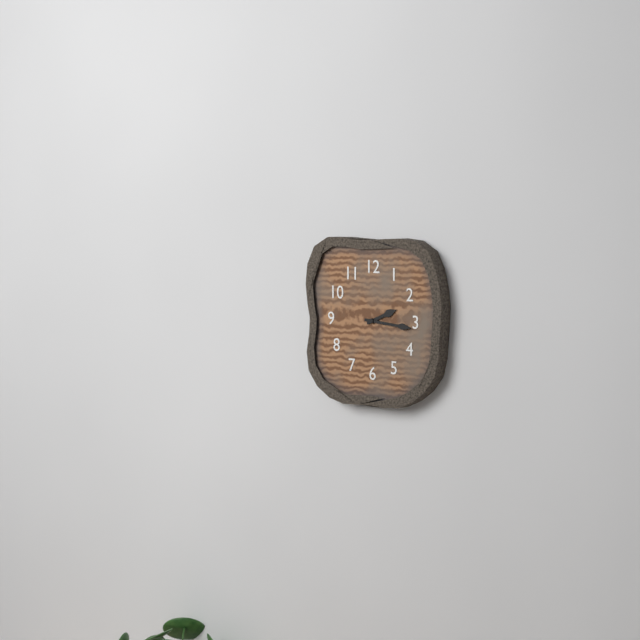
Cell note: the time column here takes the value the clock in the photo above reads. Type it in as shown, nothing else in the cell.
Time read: 2:16
